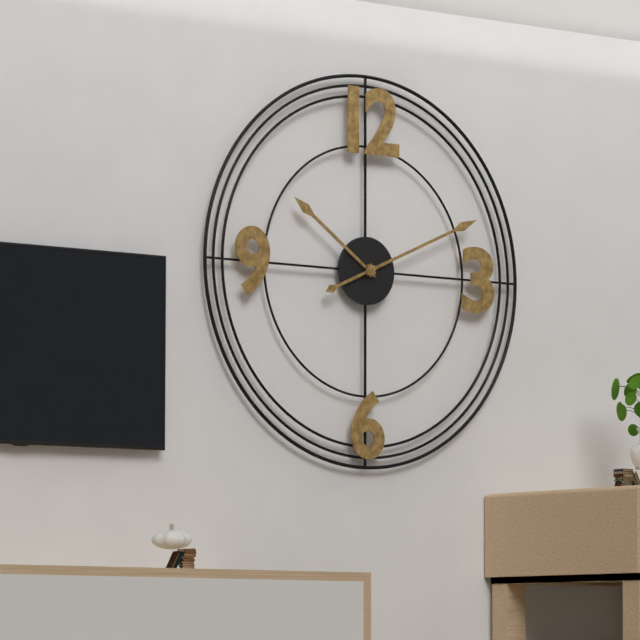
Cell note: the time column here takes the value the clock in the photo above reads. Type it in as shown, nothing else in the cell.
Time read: 10:11
